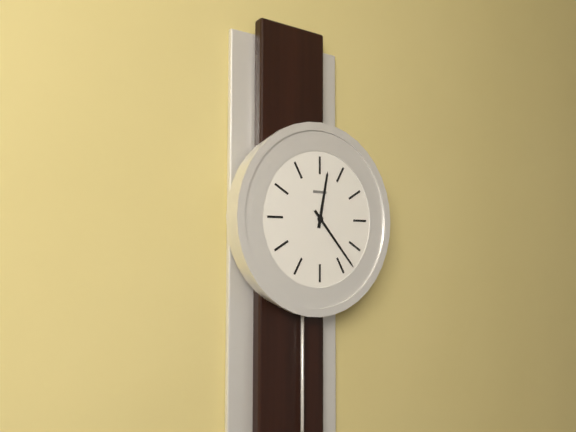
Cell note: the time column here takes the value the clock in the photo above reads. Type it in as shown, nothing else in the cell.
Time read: 12:23
